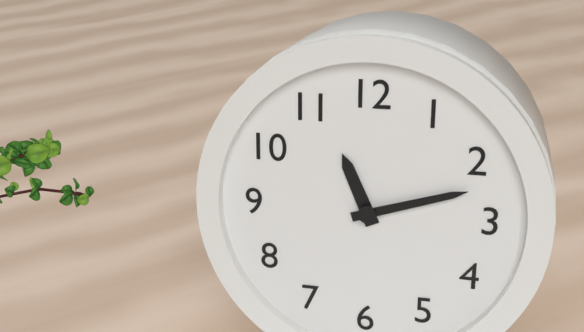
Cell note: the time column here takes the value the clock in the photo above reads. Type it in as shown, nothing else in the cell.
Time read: 11:12
